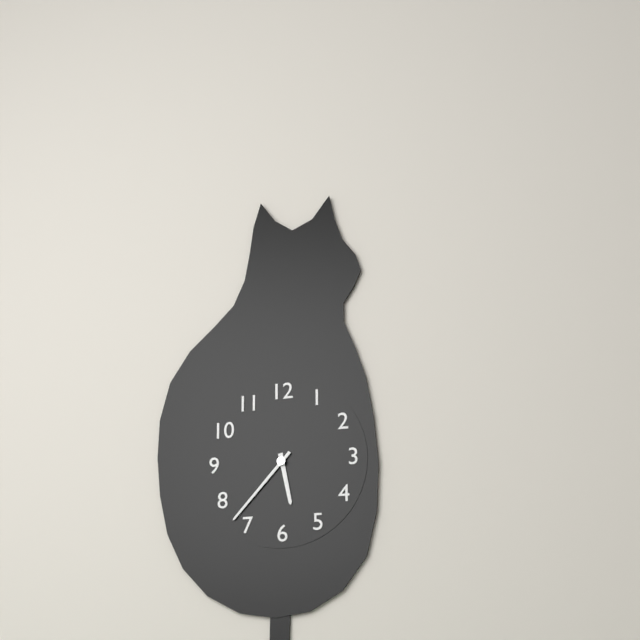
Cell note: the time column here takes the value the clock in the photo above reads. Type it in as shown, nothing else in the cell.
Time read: 5:37
